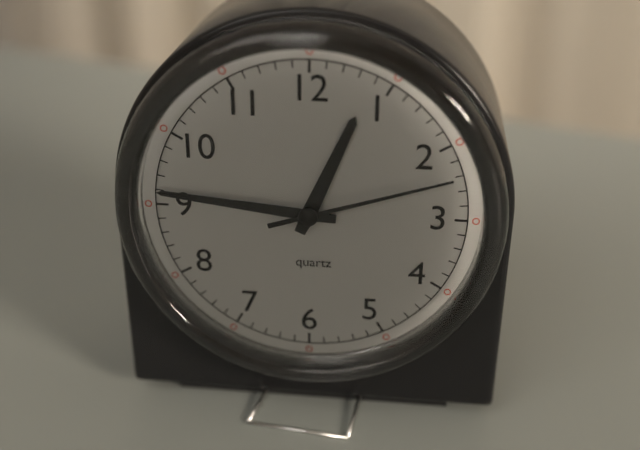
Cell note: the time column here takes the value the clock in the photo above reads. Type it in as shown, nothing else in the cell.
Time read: 12:46:12
